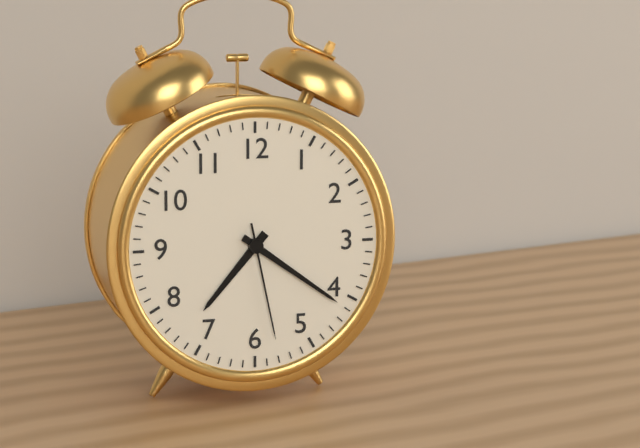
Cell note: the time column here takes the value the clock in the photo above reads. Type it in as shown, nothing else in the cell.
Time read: 7:21:28
